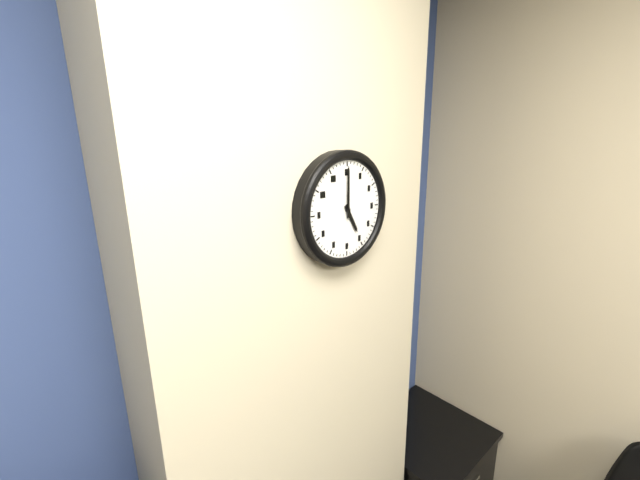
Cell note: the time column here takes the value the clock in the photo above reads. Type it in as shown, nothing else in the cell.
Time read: 5:00
